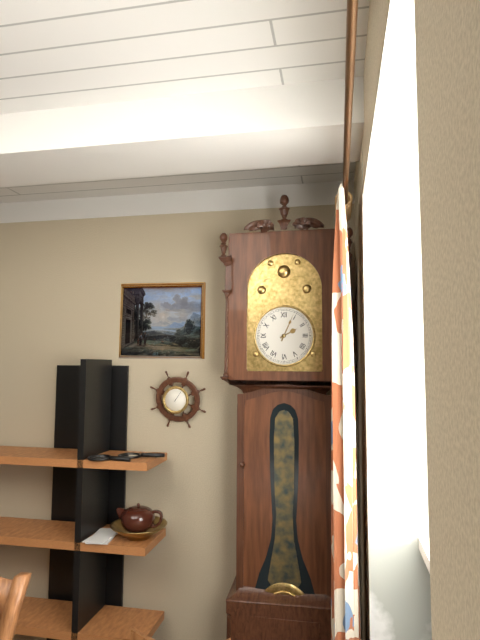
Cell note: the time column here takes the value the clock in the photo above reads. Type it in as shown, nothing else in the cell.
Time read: 2:04
